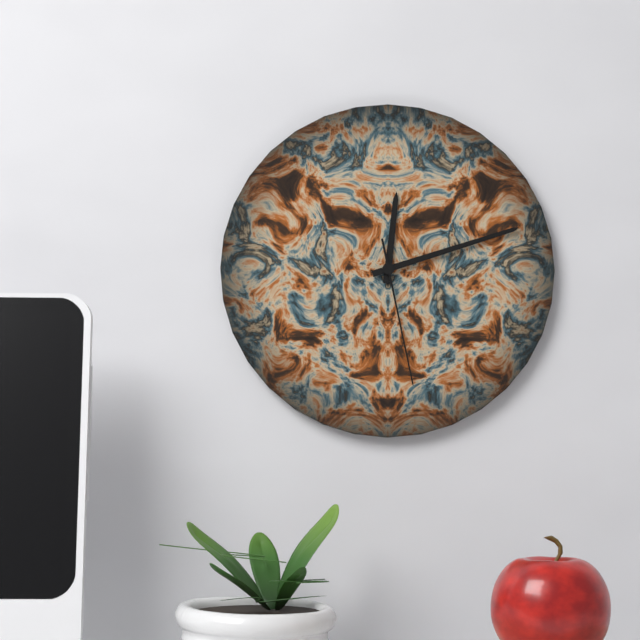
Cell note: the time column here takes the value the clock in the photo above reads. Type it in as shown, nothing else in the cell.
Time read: 12:12:28
